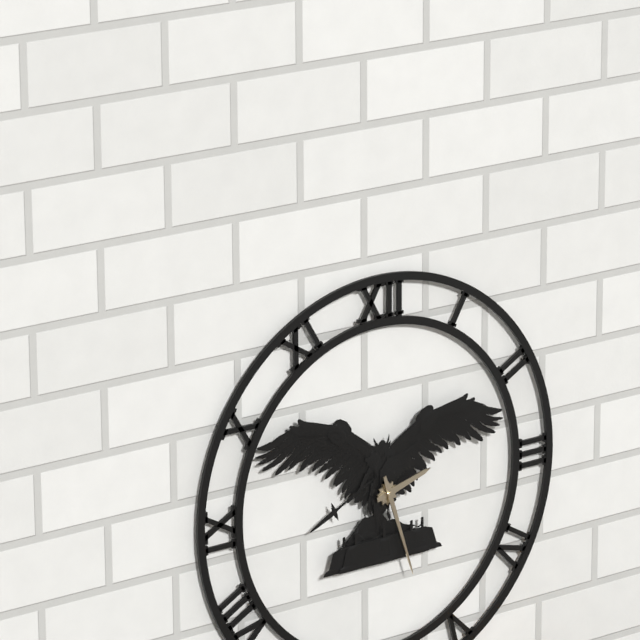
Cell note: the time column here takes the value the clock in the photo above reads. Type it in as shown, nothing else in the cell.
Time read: 2:27
